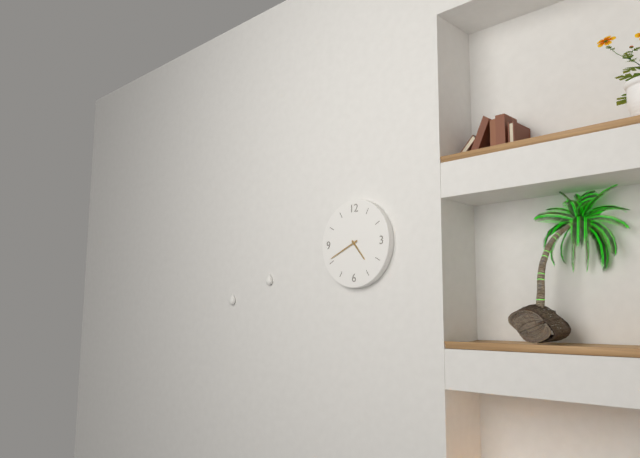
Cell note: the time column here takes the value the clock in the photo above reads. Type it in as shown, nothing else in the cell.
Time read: 4:41
